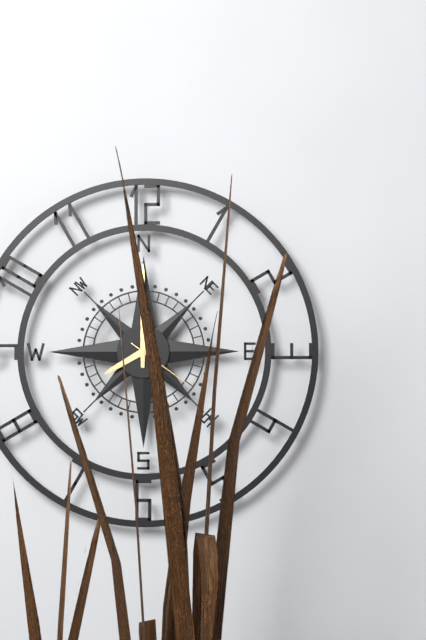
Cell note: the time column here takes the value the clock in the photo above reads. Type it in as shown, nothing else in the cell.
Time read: 8:00:21
